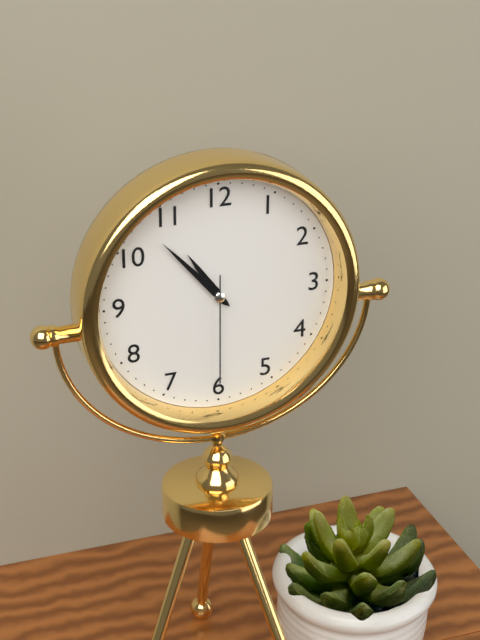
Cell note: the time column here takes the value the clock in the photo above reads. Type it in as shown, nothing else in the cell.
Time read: 10:53:30
